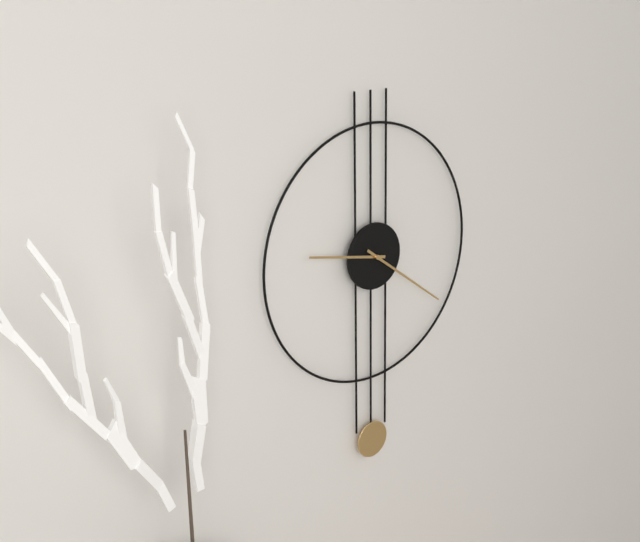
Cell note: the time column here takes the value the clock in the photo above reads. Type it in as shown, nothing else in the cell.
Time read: 9:21
